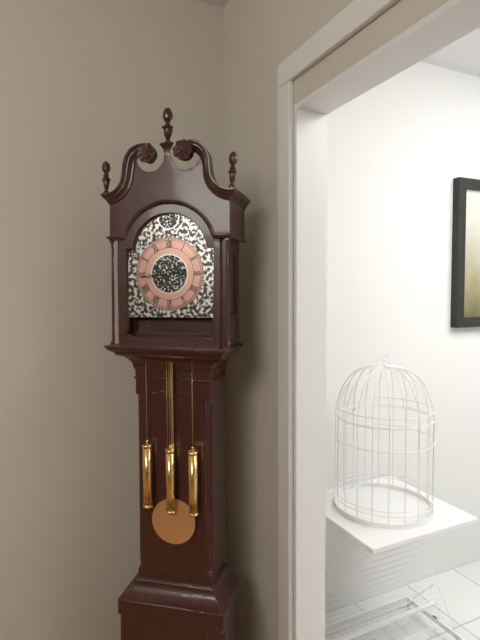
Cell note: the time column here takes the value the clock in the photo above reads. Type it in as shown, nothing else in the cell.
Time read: 2:44
